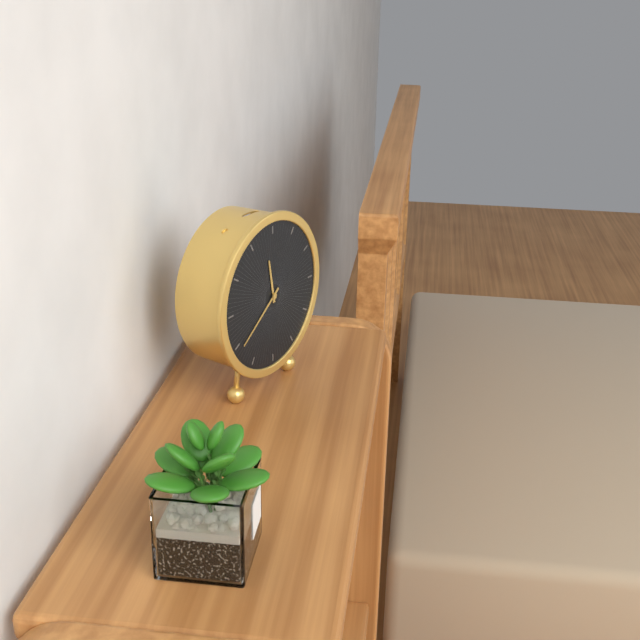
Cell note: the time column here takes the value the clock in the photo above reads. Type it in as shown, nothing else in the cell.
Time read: 11:39
